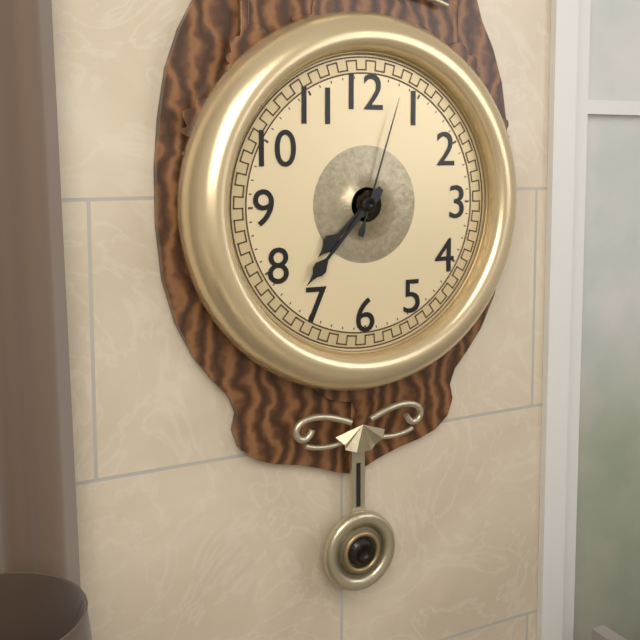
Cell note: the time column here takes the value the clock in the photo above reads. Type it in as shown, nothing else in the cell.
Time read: 7:37:03
